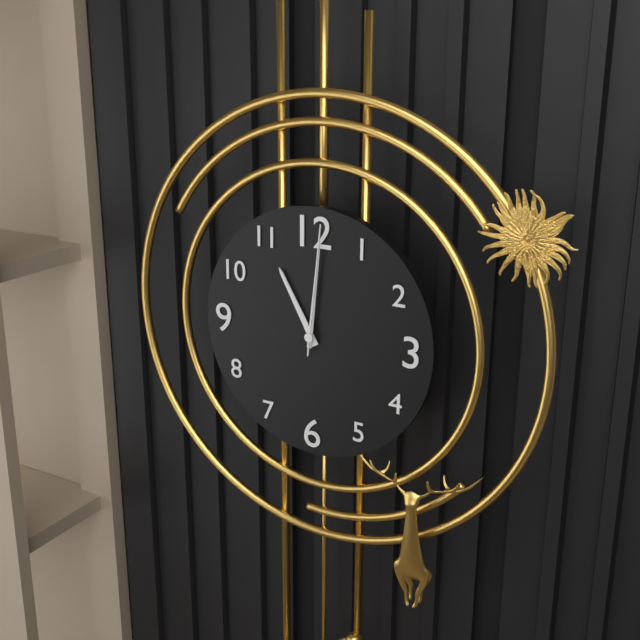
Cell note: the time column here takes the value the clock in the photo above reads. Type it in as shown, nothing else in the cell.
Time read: 11:01:01
